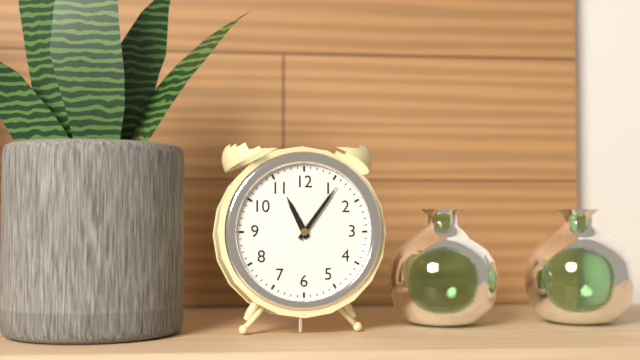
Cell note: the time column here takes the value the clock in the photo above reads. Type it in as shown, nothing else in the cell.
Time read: 11:06
